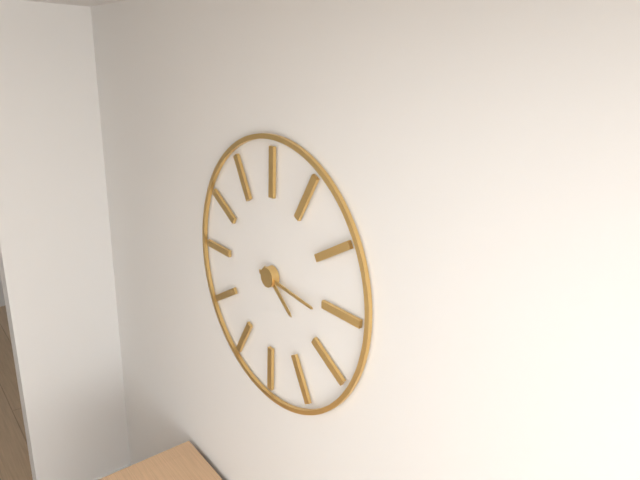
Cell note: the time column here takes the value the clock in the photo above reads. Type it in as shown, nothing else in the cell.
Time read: 4:16
